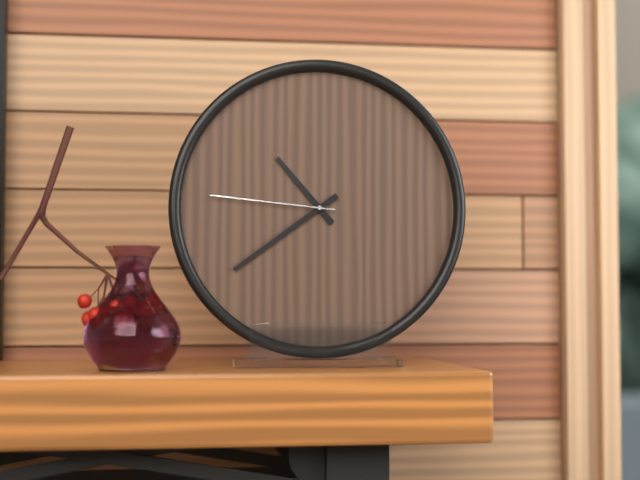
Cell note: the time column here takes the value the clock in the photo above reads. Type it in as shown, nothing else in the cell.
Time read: 10:39:46
